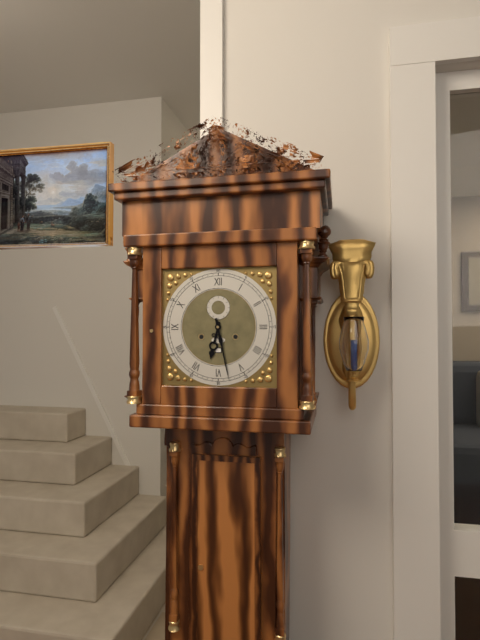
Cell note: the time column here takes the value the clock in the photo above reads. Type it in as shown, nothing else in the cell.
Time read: 6:28
